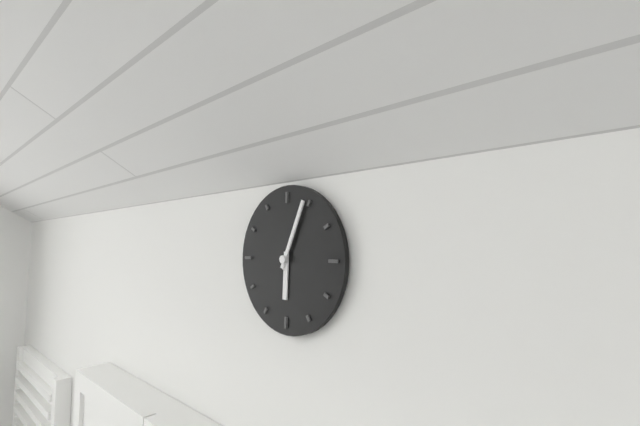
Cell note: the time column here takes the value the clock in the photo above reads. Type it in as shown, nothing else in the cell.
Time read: 6:04
